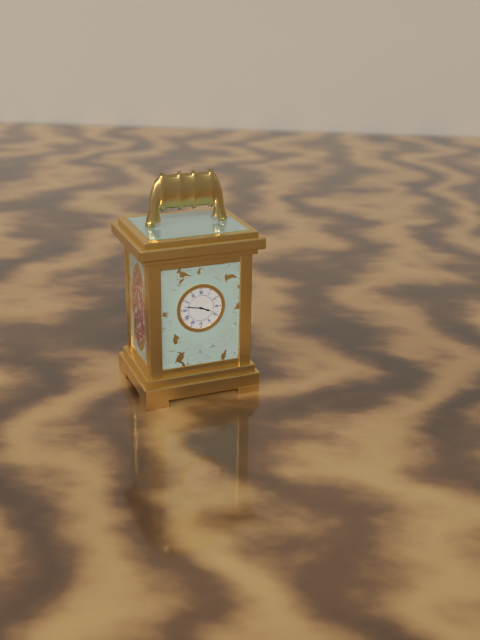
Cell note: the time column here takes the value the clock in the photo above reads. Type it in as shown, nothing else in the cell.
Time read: 3:47
